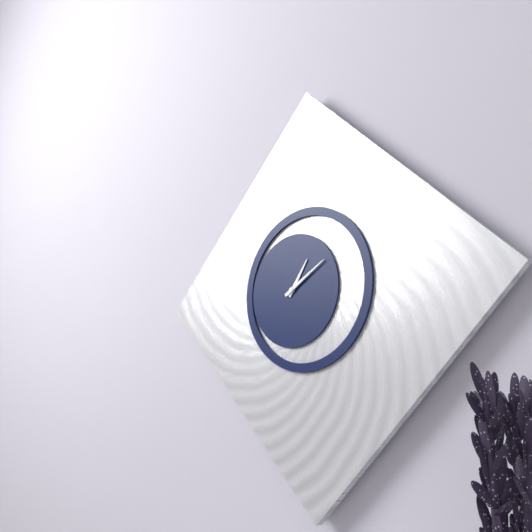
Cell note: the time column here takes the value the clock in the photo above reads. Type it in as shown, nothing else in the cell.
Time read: 1:10
